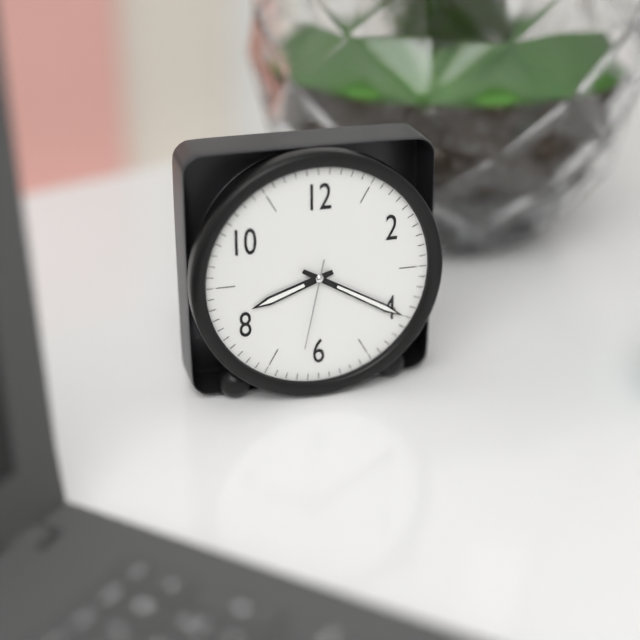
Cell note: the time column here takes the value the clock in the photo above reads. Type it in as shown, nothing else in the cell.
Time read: 8:20:32
